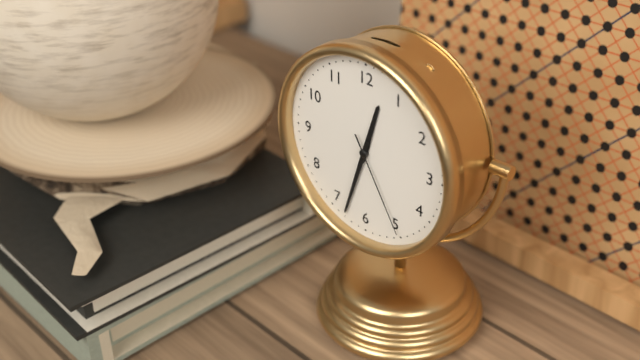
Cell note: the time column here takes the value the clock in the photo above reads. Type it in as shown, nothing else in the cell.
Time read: 12:33:25
